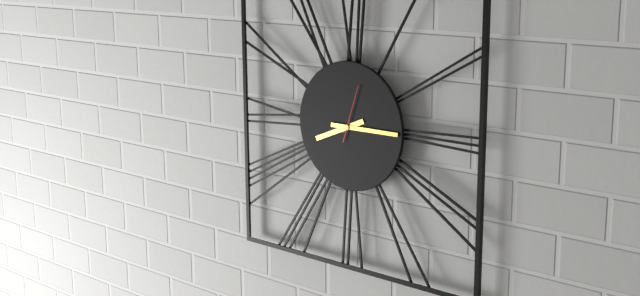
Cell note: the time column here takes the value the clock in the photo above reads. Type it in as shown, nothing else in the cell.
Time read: 8:15:03
